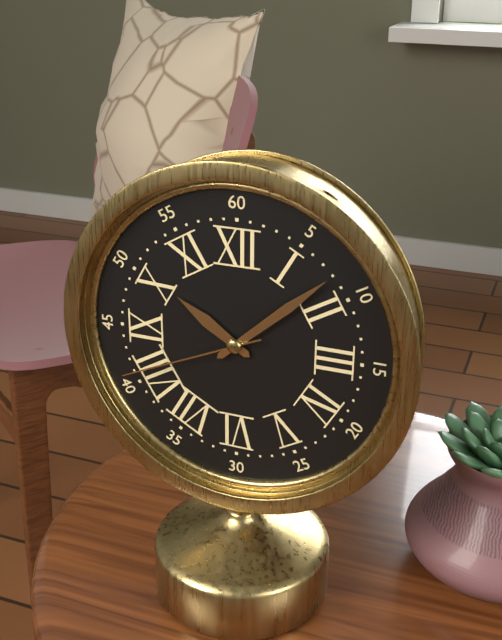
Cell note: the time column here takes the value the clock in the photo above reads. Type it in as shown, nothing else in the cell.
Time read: 10:08:41
